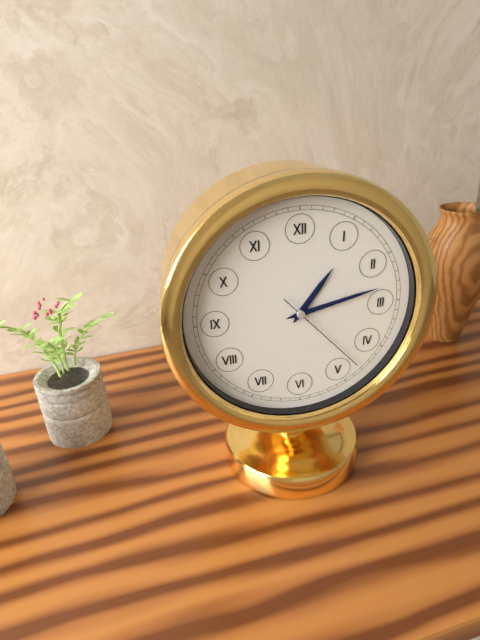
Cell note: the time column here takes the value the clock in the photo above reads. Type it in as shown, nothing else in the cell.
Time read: 1:13:23
